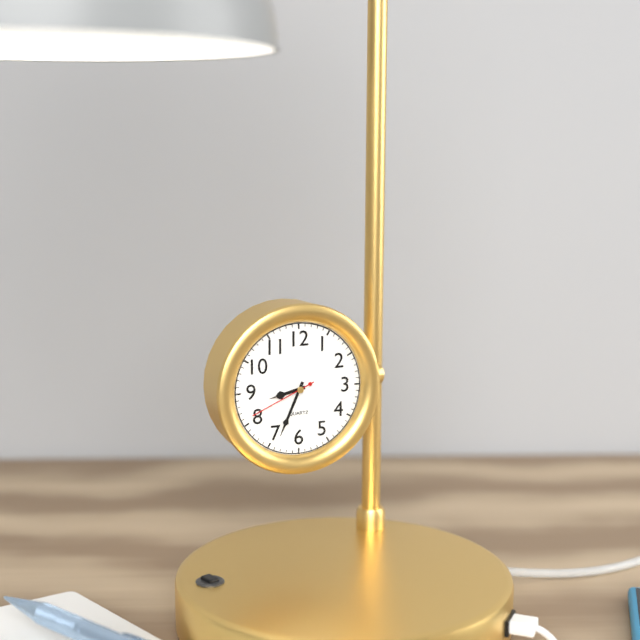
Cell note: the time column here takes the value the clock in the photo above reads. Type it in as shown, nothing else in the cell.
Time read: 8:34:41
